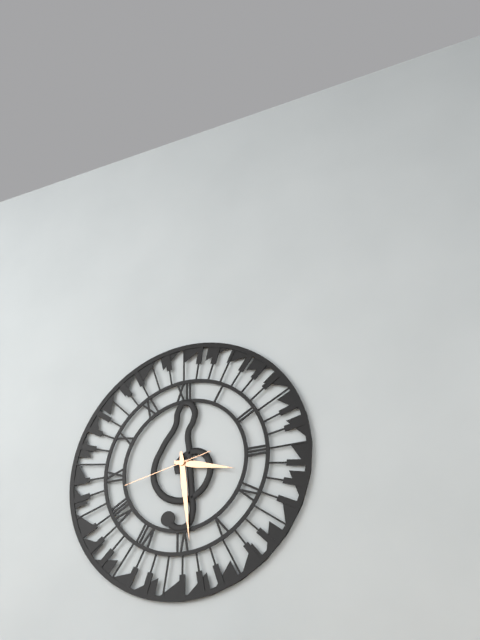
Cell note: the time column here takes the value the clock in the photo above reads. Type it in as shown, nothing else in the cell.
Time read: 3:29:43
